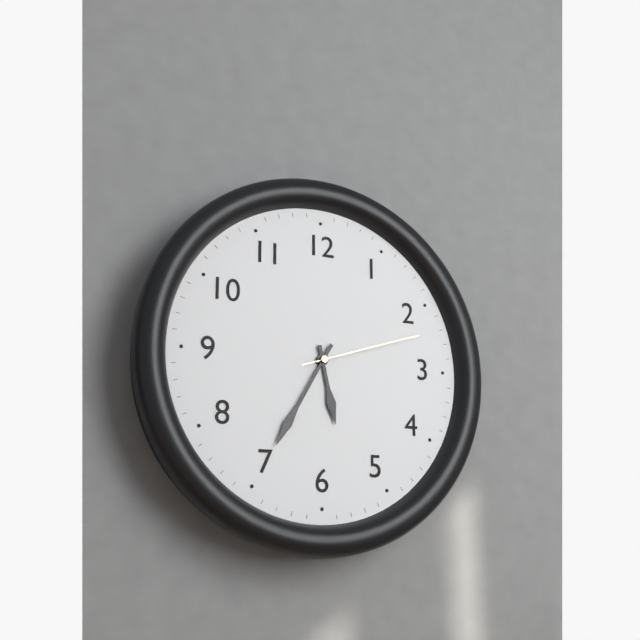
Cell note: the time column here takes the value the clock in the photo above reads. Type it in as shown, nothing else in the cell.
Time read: 5:35:12
